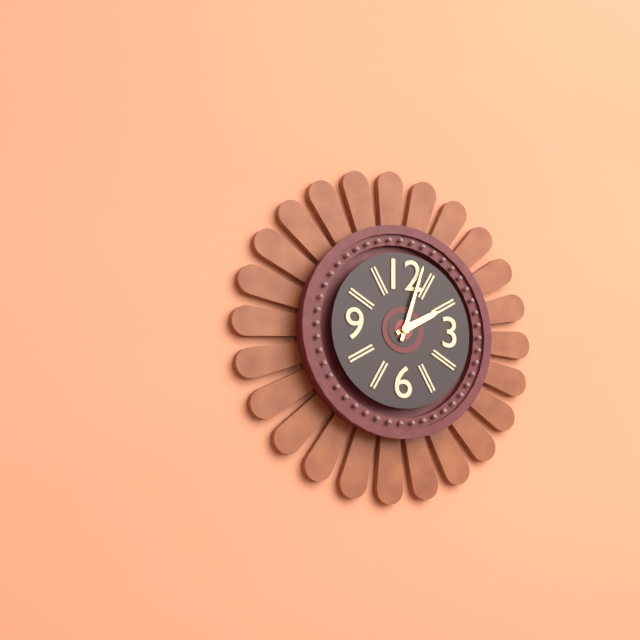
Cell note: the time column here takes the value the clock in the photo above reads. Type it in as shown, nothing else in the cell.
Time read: 2:03
